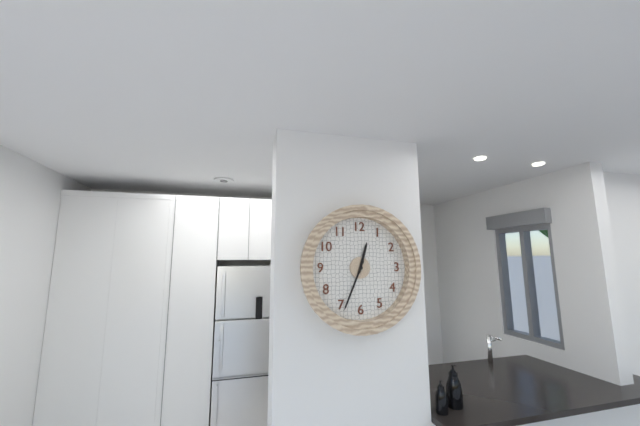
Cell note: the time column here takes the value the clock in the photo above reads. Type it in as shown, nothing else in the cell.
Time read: 12:34
